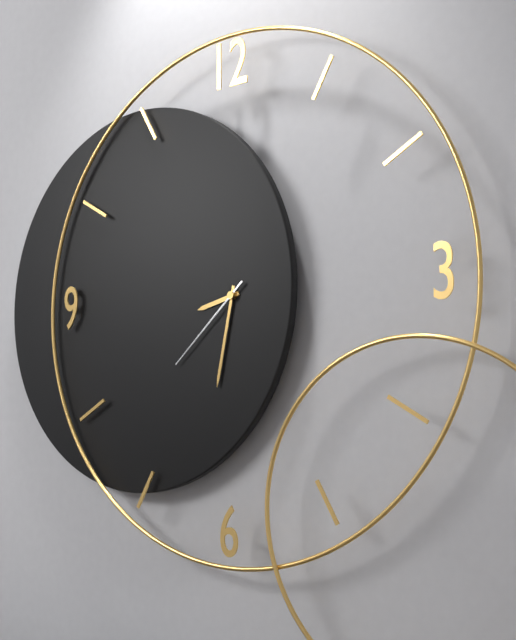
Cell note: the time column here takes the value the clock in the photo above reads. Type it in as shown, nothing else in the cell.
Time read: 8:32:38
